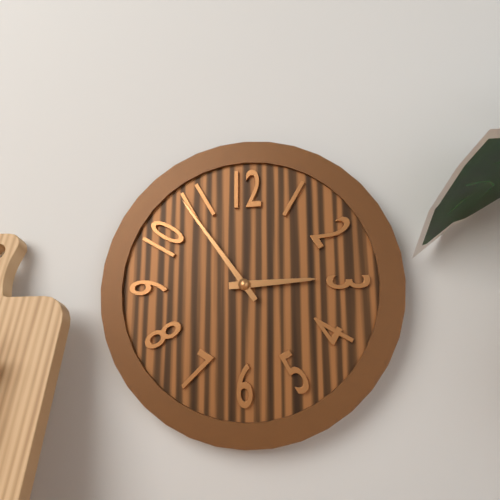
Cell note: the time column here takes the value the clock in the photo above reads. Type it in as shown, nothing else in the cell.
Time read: 2:54
